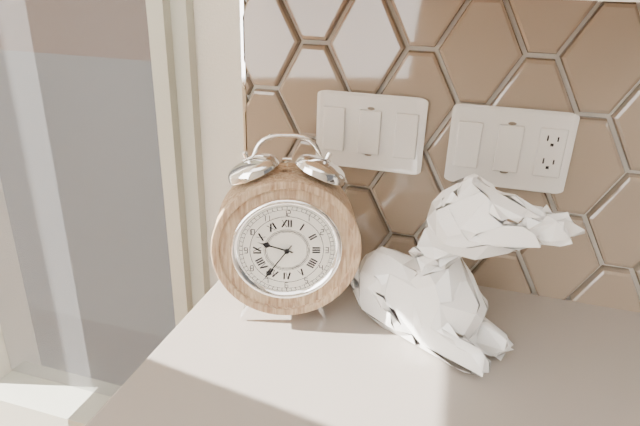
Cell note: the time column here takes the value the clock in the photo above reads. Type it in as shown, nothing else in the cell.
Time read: 9:36
